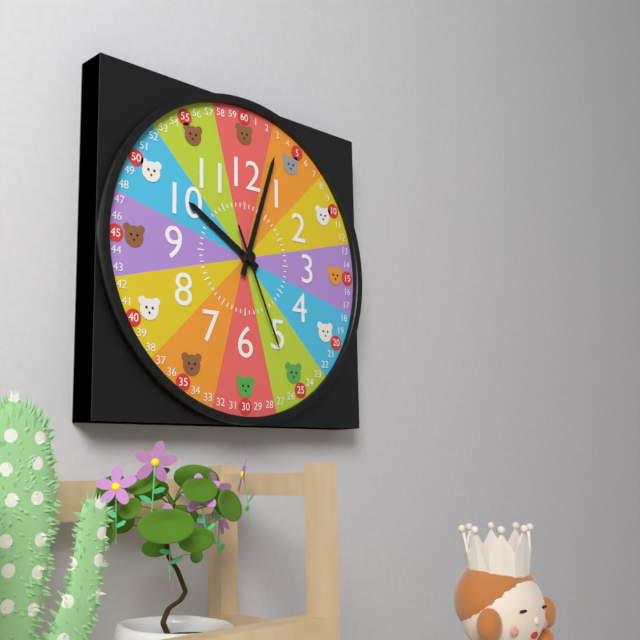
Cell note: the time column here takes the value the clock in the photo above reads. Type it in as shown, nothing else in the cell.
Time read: 10:03:26
